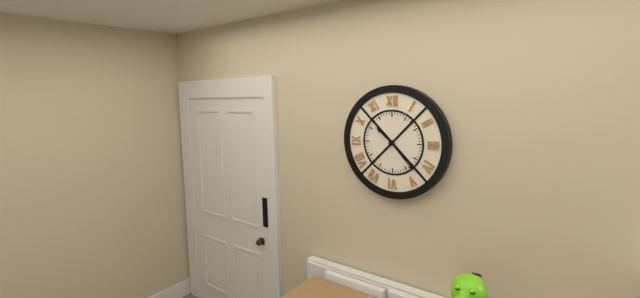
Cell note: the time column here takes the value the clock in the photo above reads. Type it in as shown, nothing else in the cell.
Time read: 10:23
